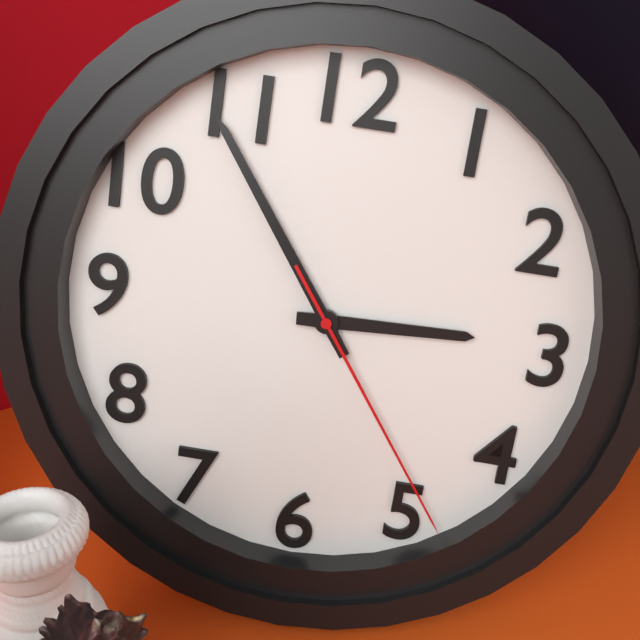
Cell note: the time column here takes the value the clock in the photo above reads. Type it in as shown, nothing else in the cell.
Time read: 2:54:24
